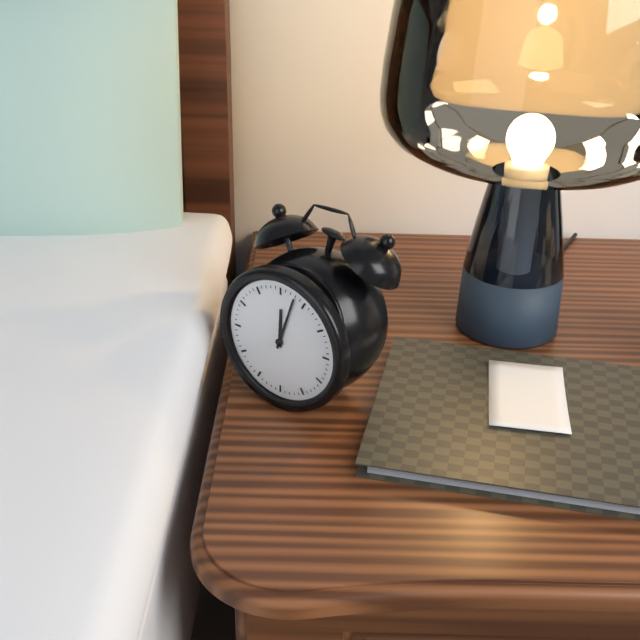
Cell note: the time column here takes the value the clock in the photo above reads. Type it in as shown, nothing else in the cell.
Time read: 12:03
